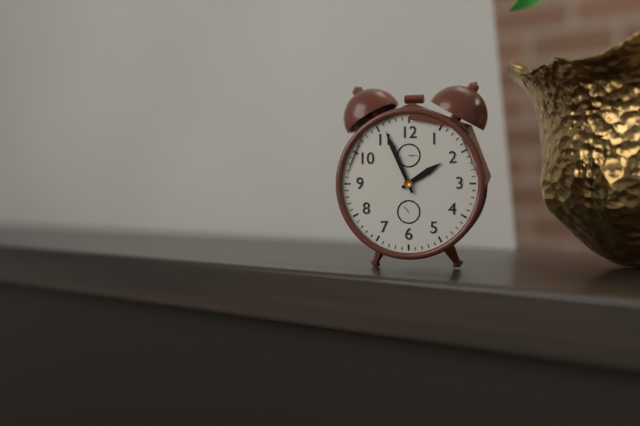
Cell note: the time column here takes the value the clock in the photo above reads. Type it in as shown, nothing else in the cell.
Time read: 1:56
